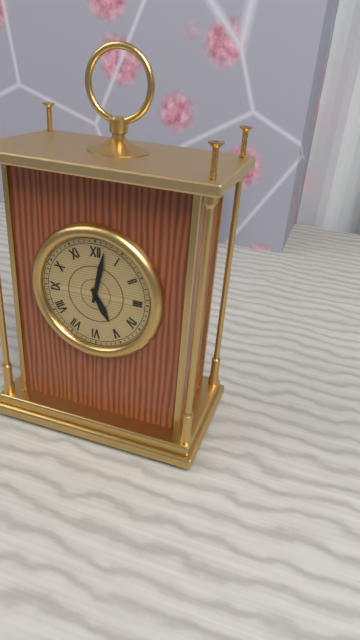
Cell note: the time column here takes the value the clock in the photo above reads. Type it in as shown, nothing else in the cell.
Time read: 5:02
